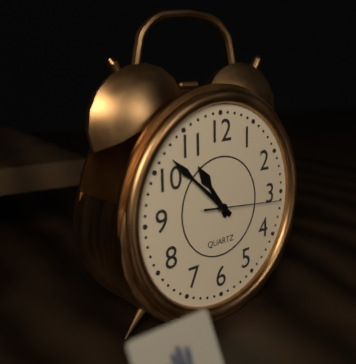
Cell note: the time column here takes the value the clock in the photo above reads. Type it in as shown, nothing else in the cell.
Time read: 10:52:16
